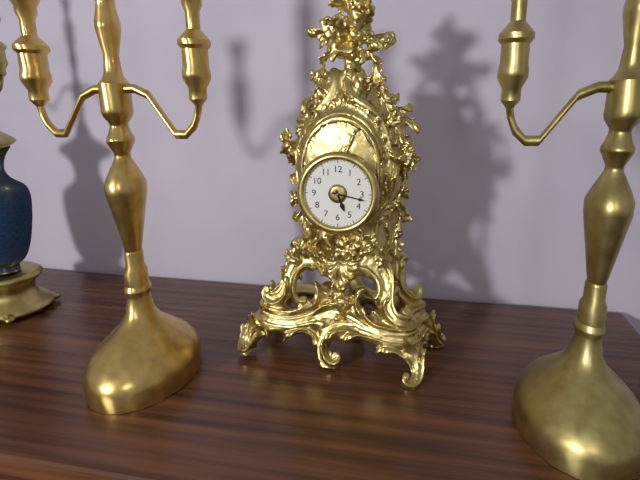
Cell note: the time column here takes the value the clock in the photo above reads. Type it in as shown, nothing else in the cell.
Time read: 5:17
